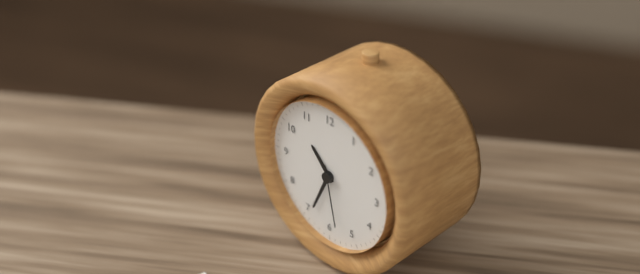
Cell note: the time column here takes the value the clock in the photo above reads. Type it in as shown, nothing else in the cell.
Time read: 10:34:28
